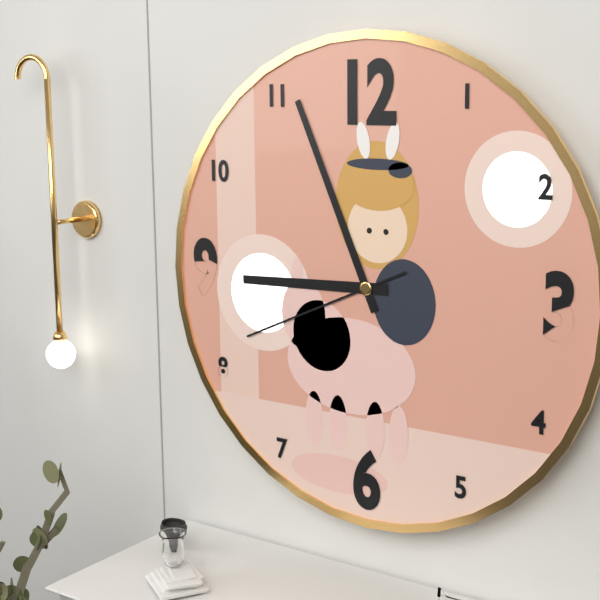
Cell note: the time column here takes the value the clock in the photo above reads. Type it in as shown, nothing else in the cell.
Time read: 8:56:41
